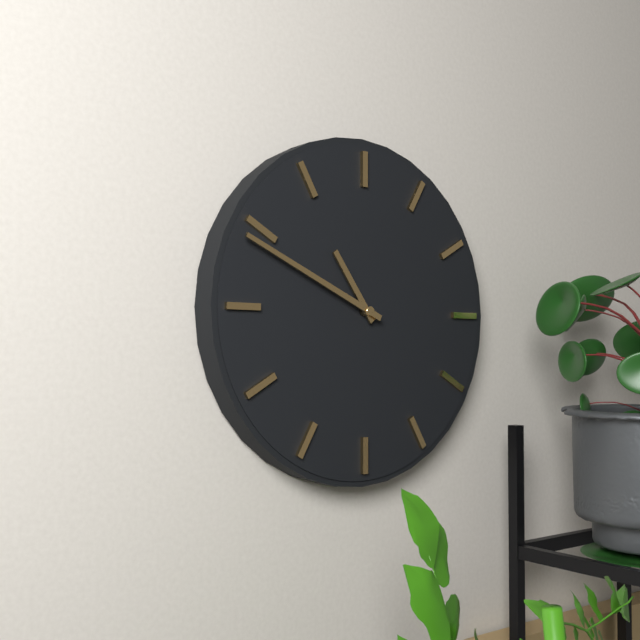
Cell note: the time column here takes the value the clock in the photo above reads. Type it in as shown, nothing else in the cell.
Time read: 10:49
